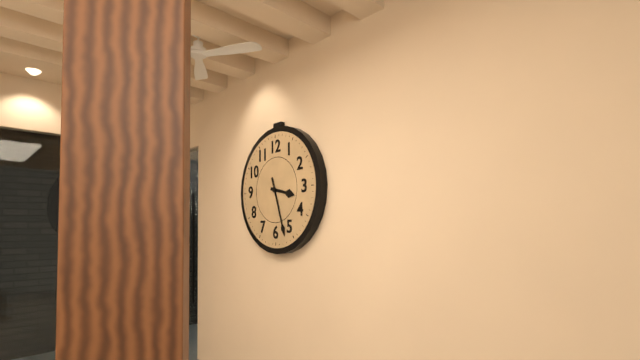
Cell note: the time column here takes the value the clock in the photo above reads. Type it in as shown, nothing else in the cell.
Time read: 3:27
